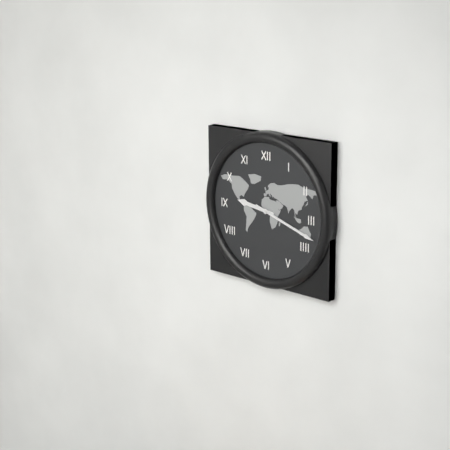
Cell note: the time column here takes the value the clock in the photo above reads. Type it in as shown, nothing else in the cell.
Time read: 9:18
